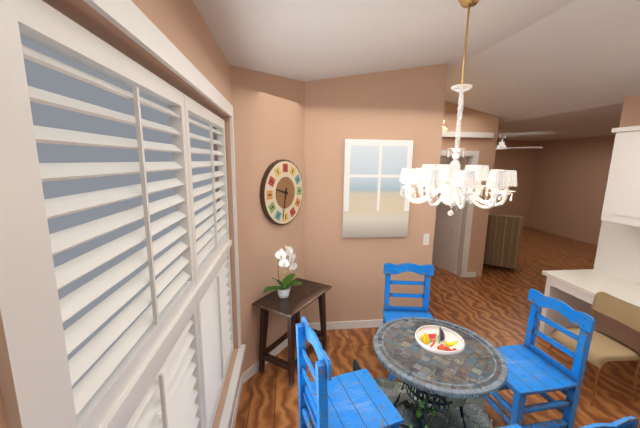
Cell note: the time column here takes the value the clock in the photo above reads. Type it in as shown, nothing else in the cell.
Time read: 9:32
